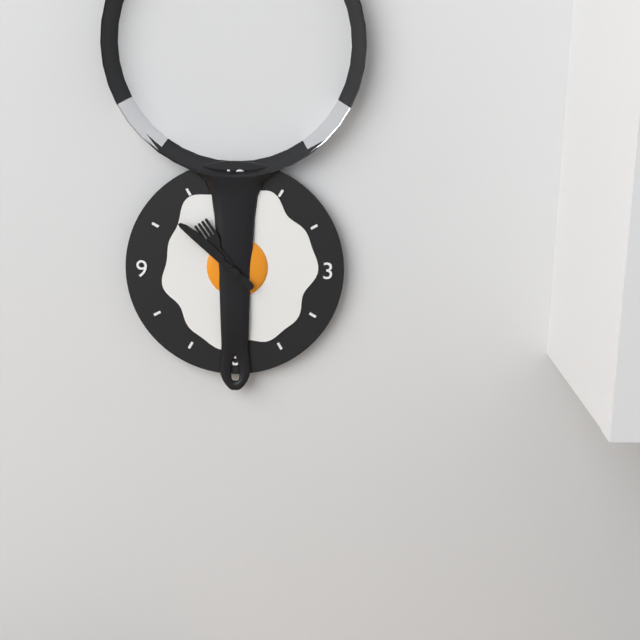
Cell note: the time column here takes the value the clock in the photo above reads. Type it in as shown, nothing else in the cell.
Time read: 10:52
